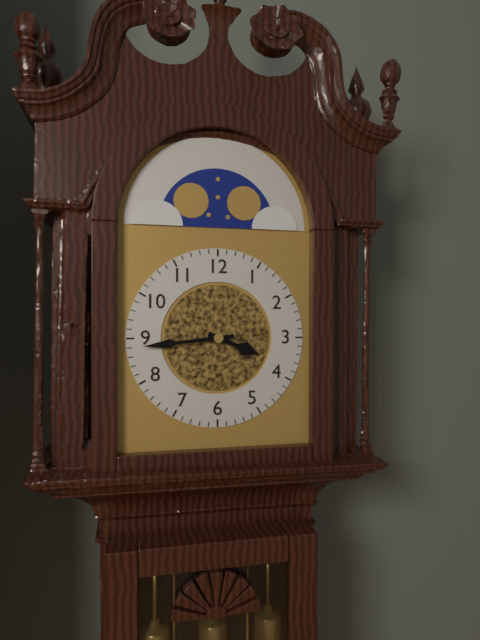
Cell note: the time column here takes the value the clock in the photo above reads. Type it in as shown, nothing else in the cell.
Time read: 3:44
